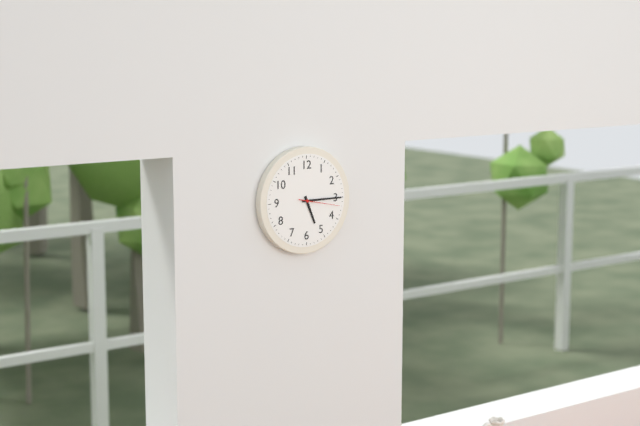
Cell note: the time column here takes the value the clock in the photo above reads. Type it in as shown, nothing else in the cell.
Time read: 5:15
